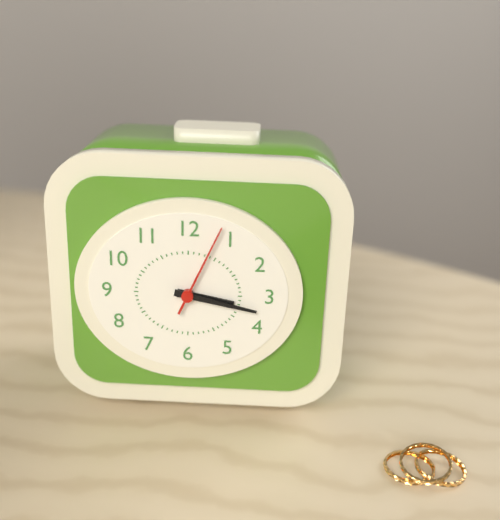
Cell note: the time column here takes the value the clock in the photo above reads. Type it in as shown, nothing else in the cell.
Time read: 3:17:04
